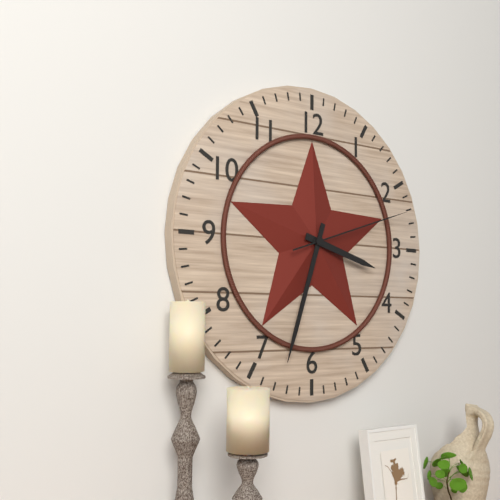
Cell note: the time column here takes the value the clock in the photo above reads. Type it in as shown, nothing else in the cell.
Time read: 3:33:12
